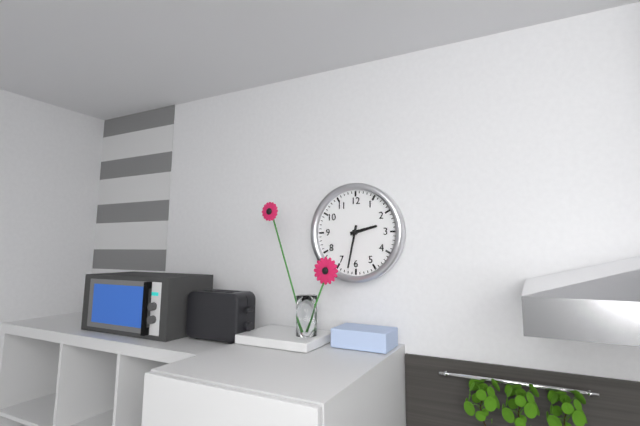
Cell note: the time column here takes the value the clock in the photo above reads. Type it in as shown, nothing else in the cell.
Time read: 2:32
